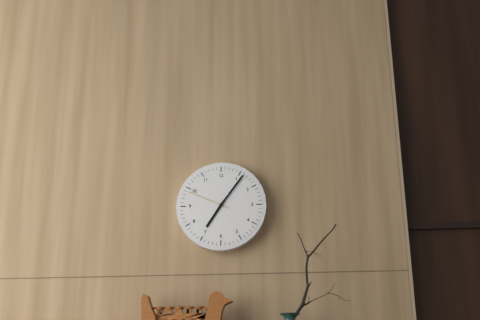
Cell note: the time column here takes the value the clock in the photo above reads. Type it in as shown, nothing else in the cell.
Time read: 7:06
